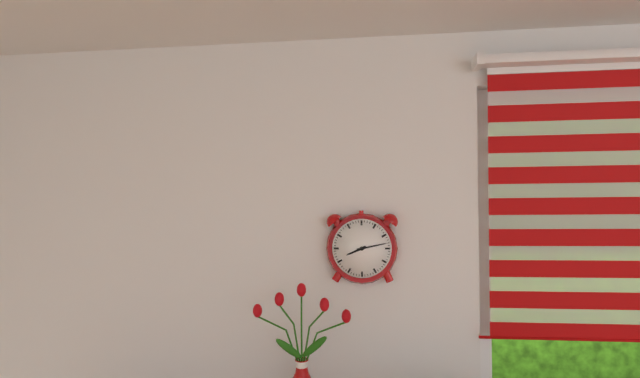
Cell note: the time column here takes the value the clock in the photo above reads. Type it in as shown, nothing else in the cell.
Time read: 8:13
